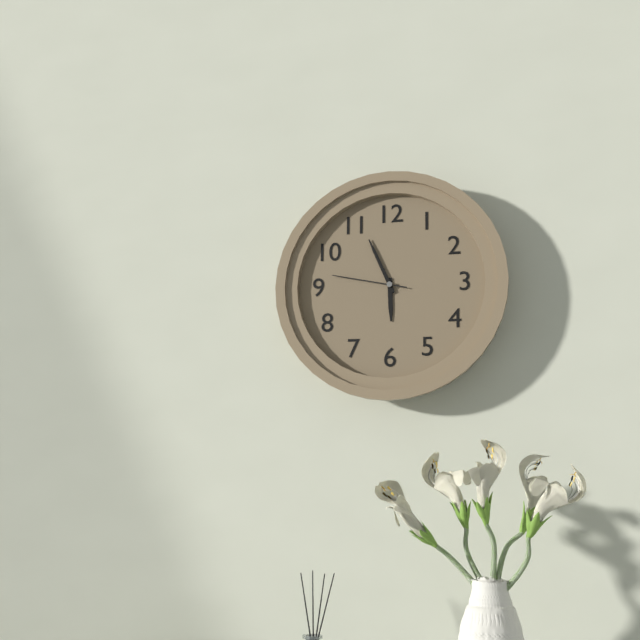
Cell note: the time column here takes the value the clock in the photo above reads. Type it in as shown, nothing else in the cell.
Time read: 5:56:47
